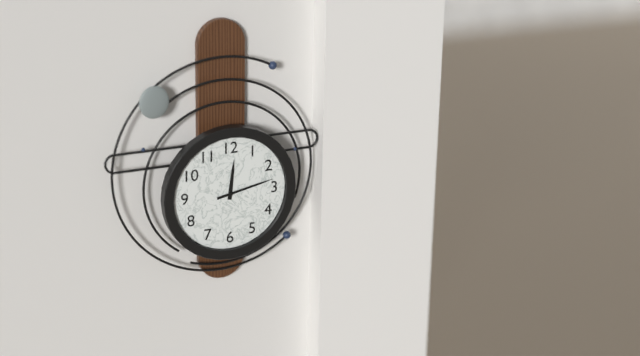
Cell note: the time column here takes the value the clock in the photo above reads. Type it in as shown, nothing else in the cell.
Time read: 12:13
